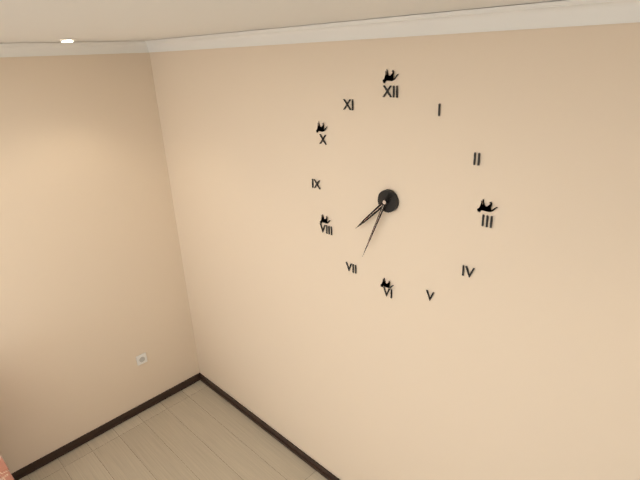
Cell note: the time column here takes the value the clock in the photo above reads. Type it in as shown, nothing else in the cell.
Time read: 7:34
